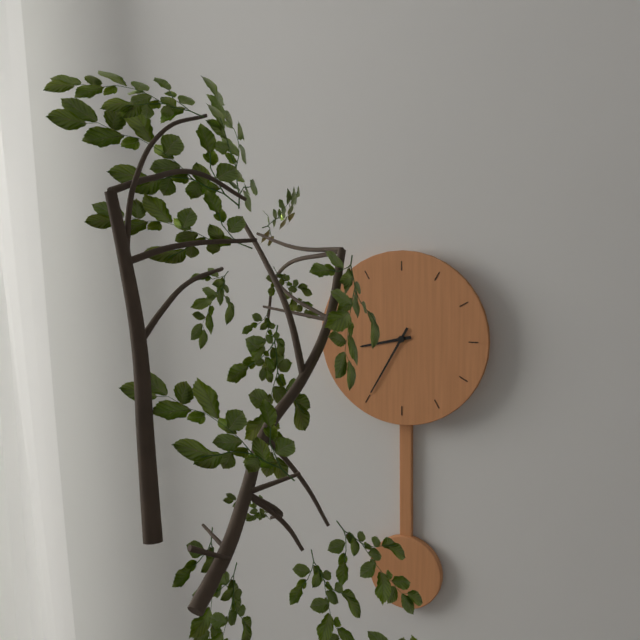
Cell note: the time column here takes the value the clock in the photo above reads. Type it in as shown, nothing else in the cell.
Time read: 8:35
